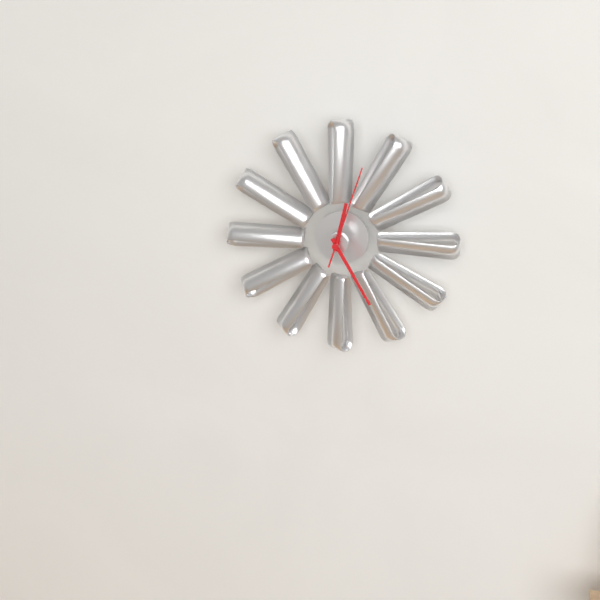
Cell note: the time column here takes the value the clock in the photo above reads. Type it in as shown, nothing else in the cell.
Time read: 12:25:03
